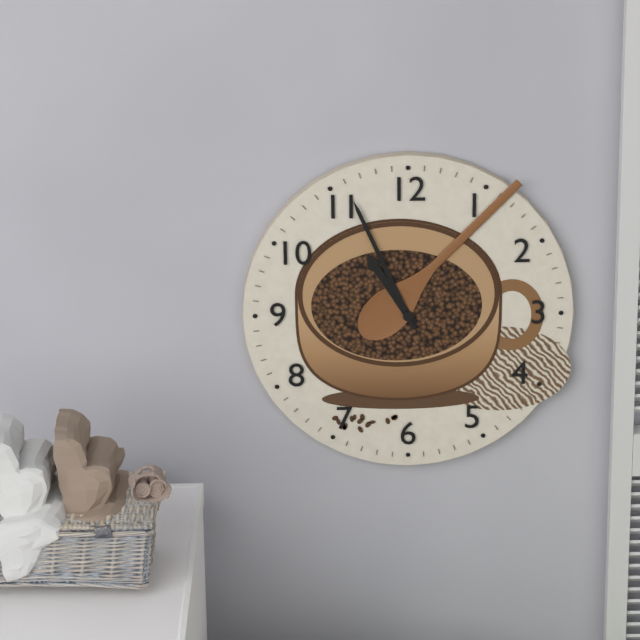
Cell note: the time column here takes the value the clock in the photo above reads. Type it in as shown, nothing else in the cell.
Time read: 10:56
